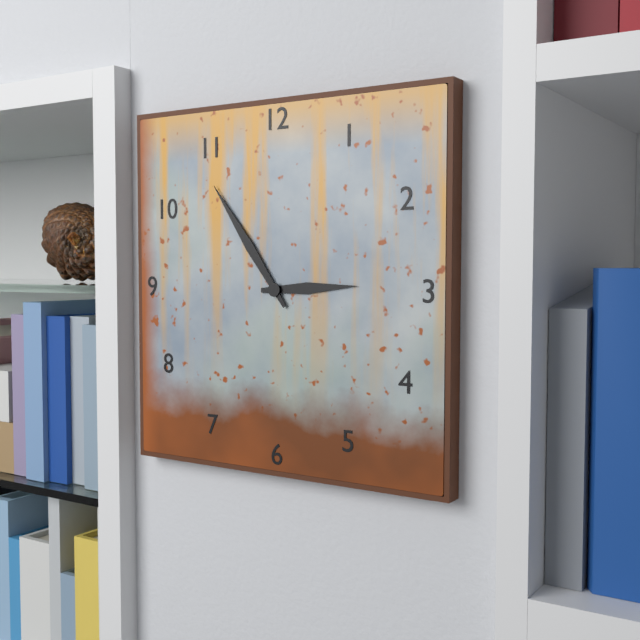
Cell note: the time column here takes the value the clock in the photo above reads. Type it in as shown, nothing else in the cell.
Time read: 2:54
